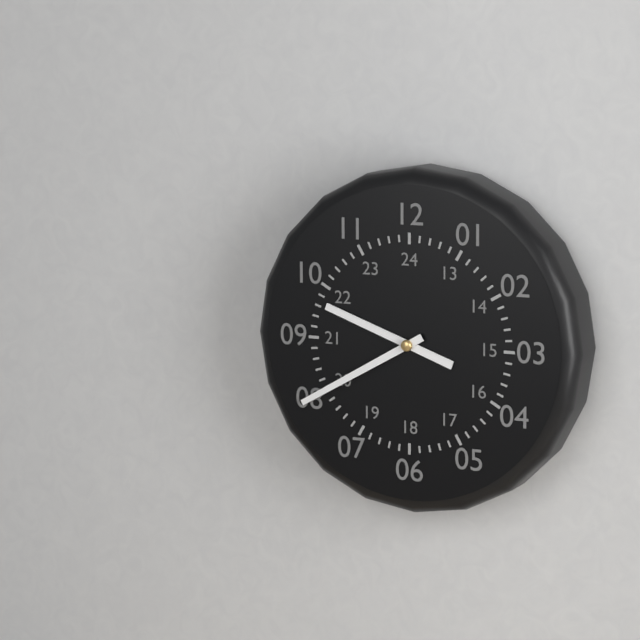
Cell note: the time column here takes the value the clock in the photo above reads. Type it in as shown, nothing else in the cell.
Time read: 9:40
